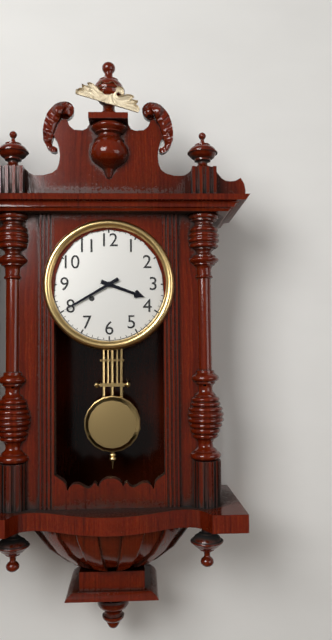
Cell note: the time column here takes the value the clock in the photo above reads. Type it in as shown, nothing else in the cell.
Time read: 3:40
